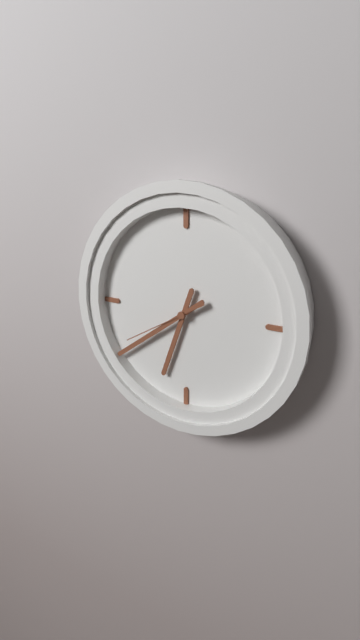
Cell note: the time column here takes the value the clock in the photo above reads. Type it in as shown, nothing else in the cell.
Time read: 6:39:40
